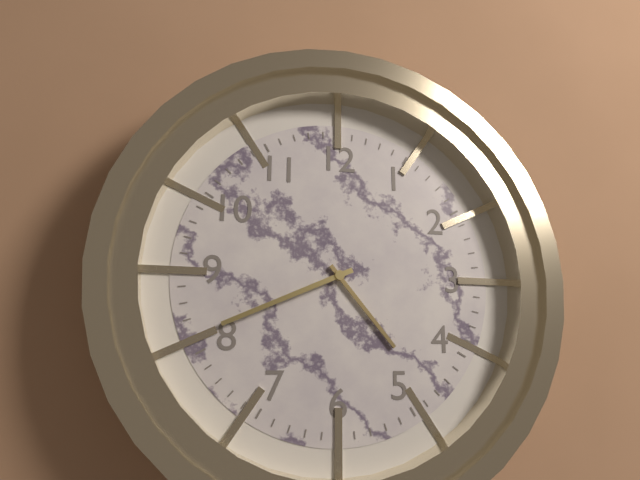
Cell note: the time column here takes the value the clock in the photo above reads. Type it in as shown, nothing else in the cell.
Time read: 4:41
